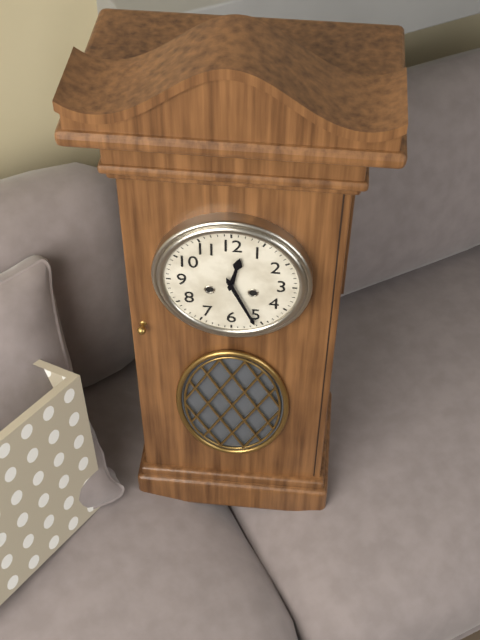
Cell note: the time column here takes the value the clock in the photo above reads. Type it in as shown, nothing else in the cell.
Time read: 12:26
